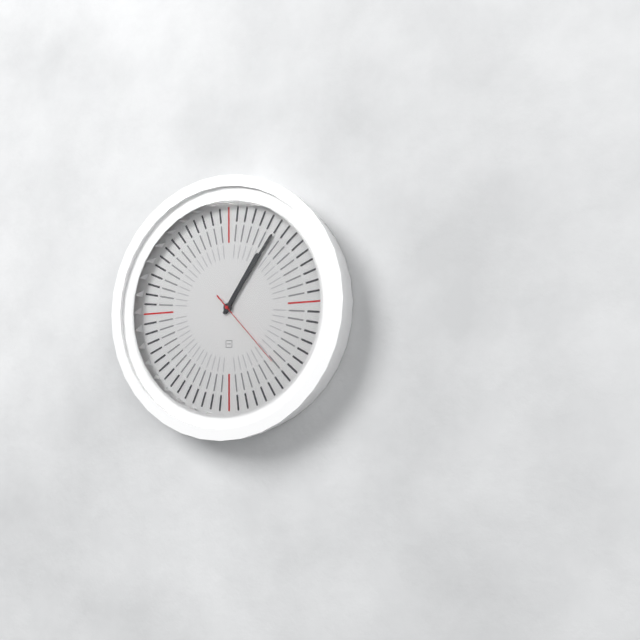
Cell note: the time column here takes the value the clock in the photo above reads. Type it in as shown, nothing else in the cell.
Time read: 1:06:23
